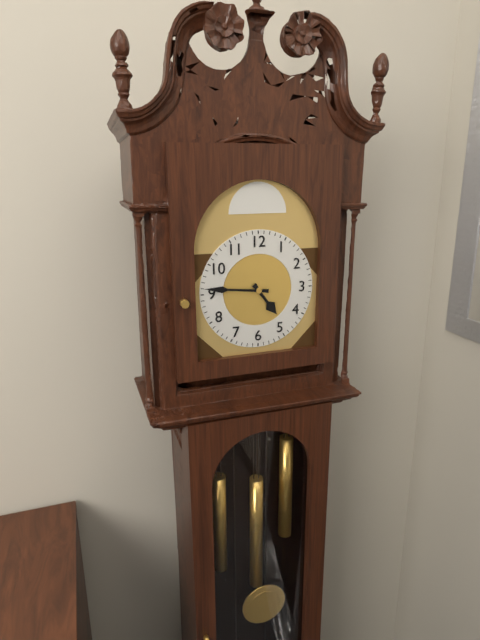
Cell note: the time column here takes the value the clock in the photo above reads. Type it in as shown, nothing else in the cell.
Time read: 4:46
